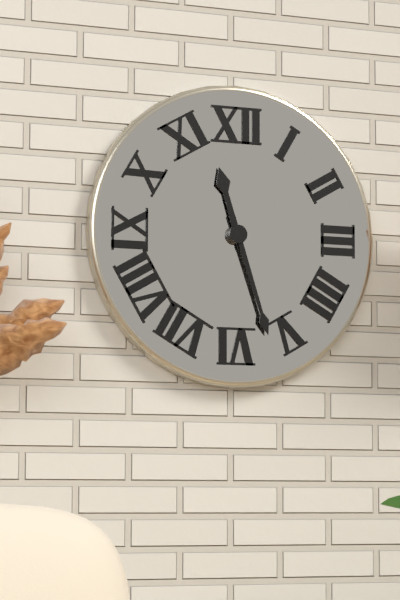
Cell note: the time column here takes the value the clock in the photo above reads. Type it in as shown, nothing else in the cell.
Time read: 11:27
